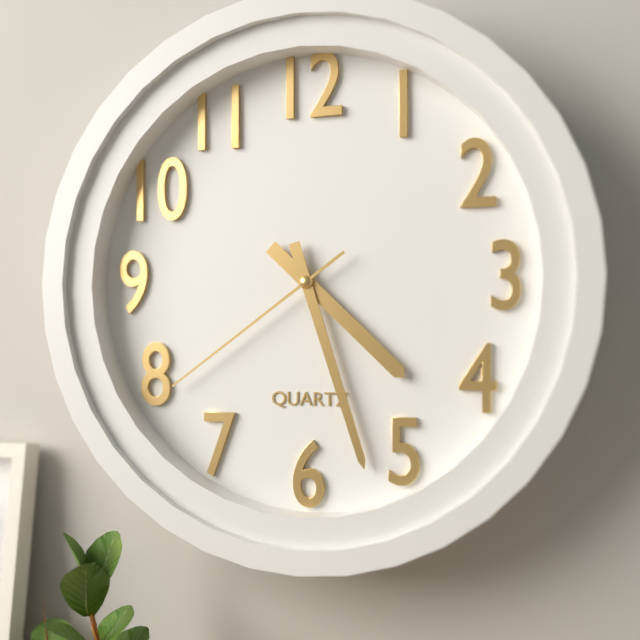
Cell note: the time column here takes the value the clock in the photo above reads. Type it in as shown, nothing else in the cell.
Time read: 4:27:39
